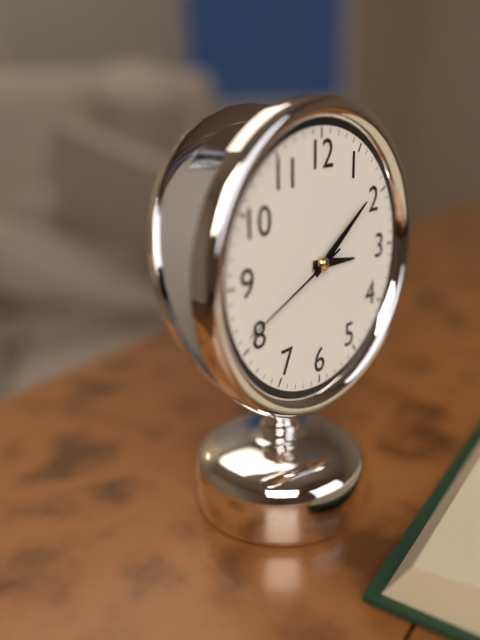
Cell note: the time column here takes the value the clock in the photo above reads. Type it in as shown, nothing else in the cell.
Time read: 3:09:41
